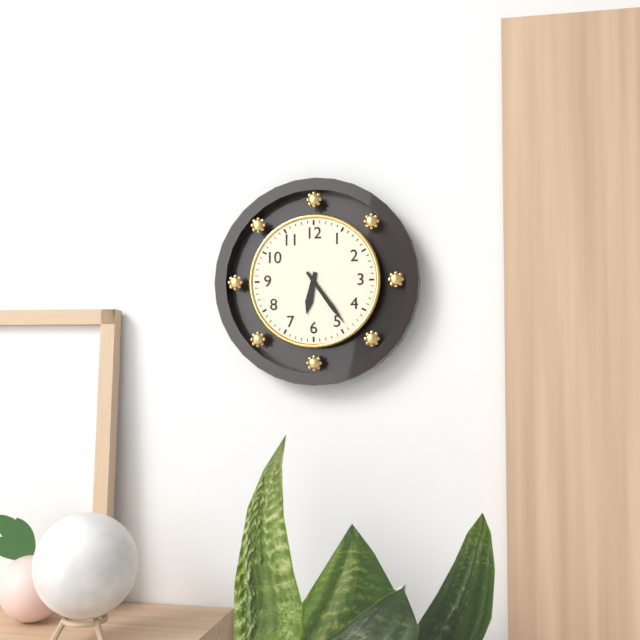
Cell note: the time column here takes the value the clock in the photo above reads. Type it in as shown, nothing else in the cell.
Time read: 6:24
